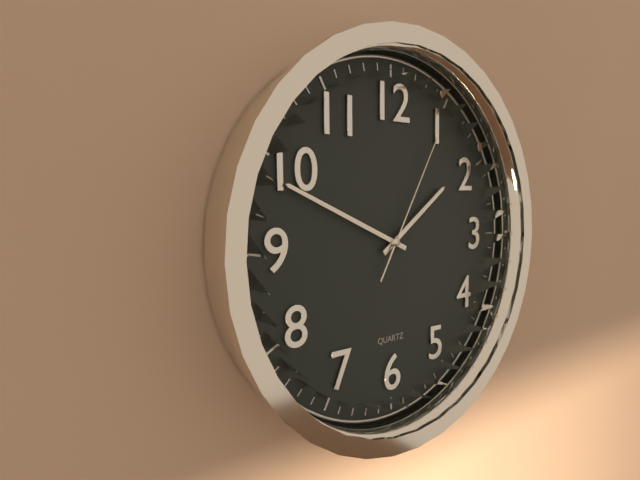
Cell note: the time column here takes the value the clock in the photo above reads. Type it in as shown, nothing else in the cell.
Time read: 1:49:05
